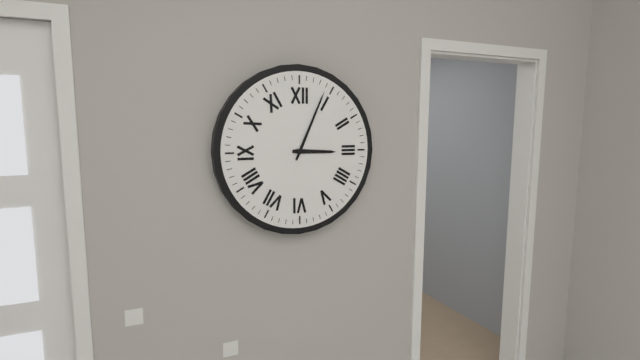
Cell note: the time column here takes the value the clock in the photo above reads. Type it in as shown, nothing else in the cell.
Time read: 3:04
